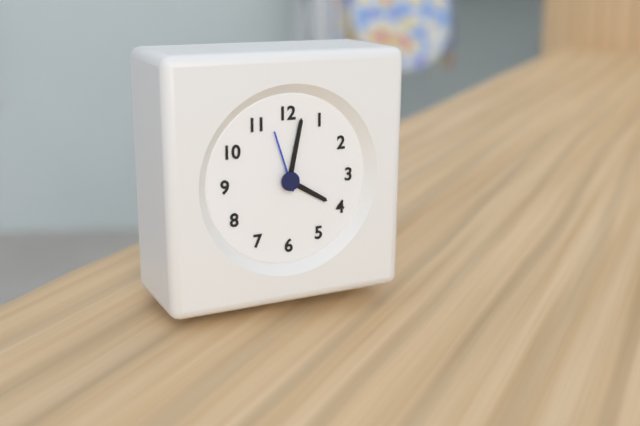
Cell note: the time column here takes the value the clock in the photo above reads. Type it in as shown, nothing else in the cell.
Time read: 4:02:57
